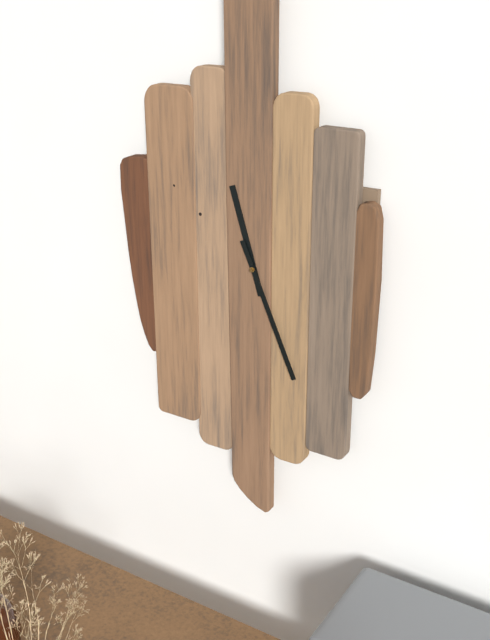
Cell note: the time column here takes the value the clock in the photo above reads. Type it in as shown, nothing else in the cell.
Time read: 11:26
